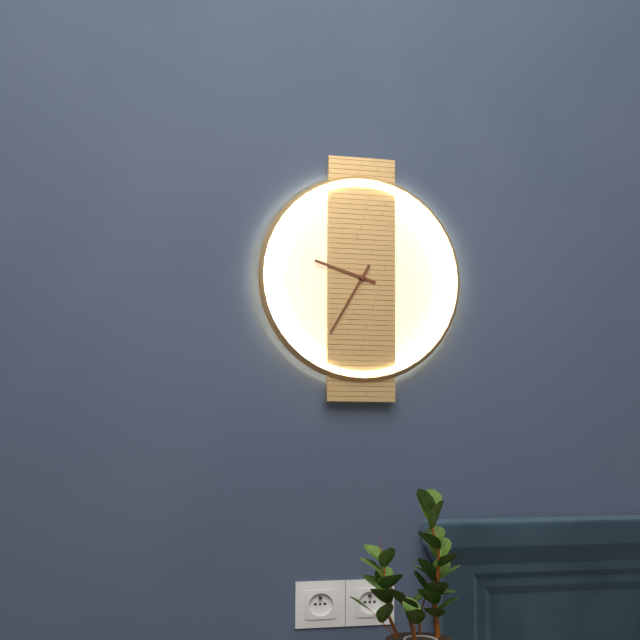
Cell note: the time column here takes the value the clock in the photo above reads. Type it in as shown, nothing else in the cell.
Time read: 9:35
